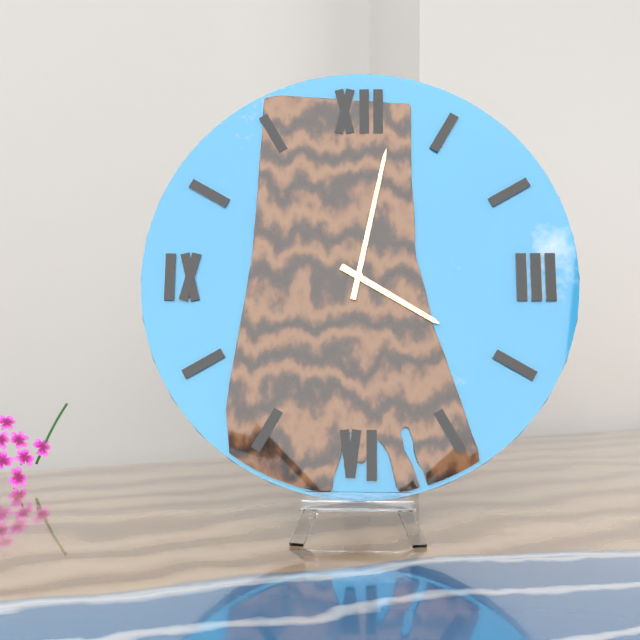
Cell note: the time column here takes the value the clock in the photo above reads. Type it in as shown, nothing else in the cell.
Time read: 4:02
